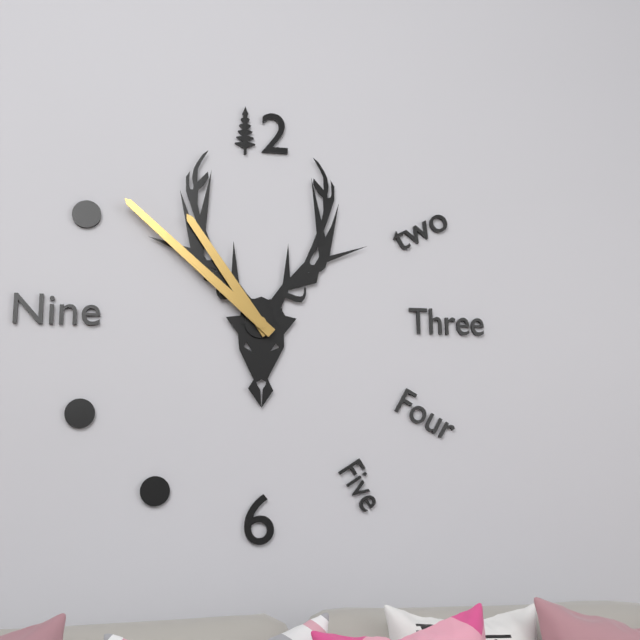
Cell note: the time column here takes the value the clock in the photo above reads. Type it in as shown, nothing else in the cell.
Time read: 10:52
